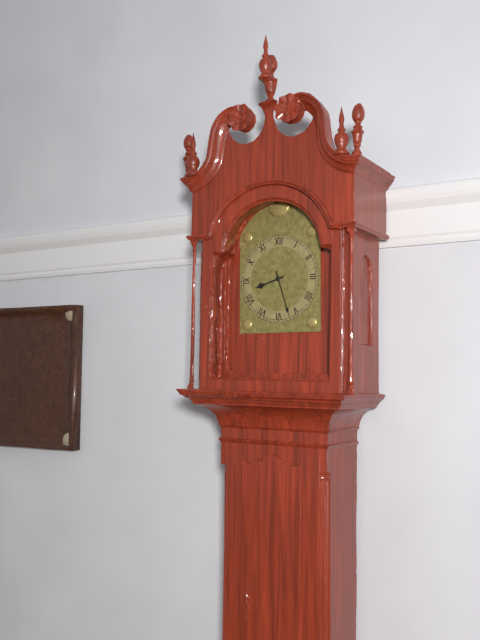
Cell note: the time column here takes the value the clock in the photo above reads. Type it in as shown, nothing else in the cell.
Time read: 8:27
